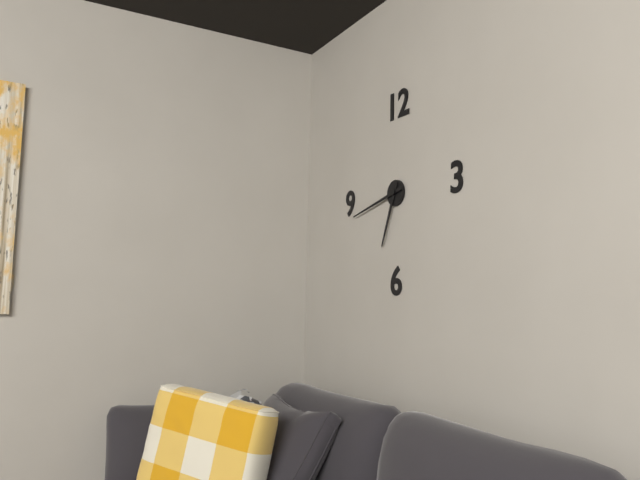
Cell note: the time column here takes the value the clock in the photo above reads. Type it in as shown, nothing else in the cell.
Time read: 6:43
